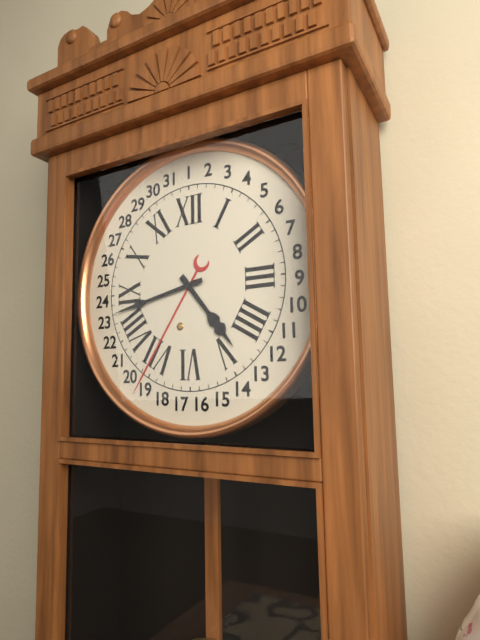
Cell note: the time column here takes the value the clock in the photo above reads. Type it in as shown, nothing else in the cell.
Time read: 4:43
